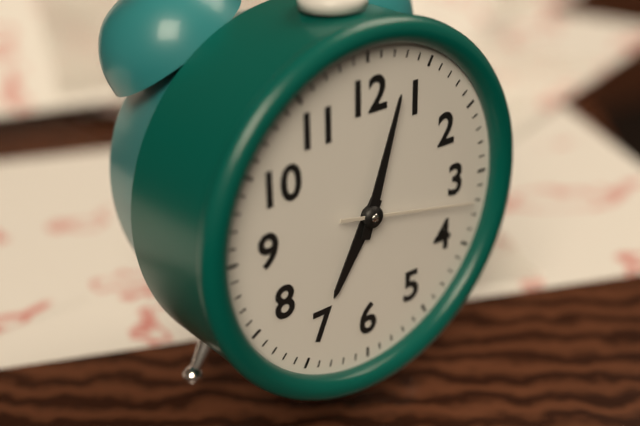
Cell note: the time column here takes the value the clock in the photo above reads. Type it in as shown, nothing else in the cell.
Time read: 7:03:17
